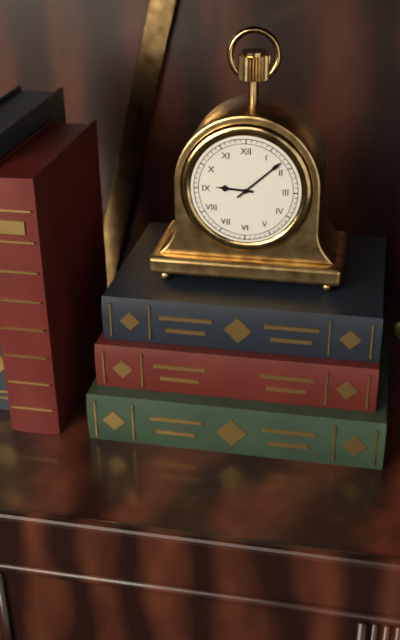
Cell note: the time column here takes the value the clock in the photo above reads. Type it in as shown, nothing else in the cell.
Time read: 9:08
